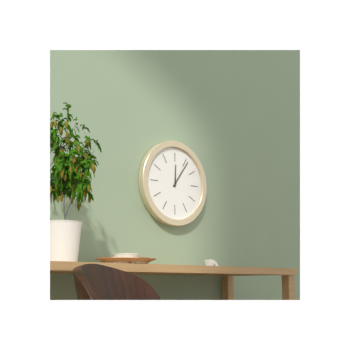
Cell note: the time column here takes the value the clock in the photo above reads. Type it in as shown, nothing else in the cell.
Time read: 12:06
